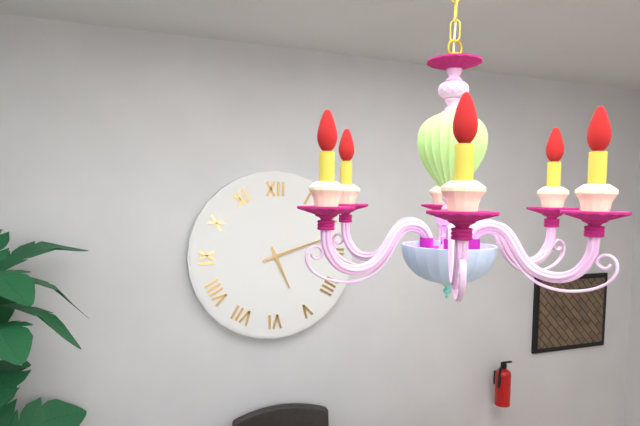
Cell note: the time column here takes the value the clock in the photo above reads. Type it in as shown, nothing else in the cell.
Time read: 5:12
